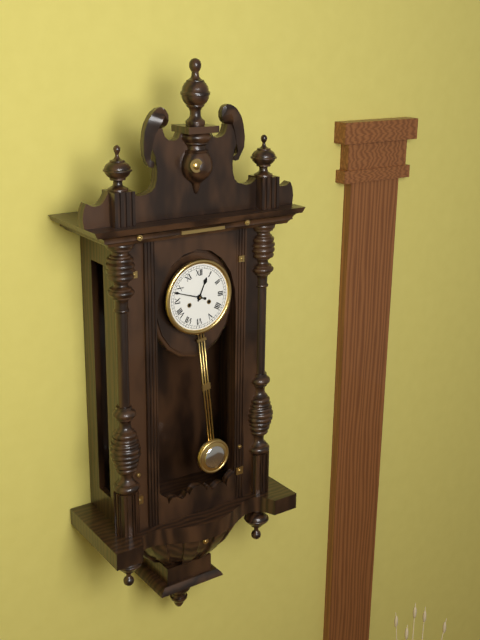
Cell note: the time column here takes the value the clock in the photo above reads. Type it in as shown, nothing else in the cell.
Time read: 12:48
